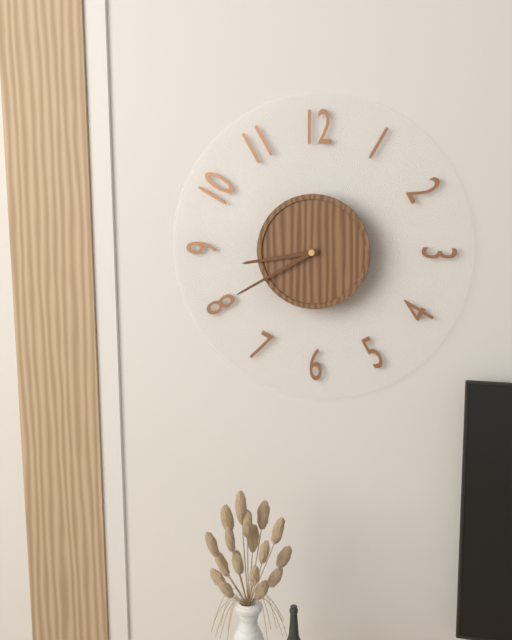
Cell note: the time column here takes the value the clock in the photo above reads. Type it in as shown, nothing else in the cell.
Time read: 8:40
